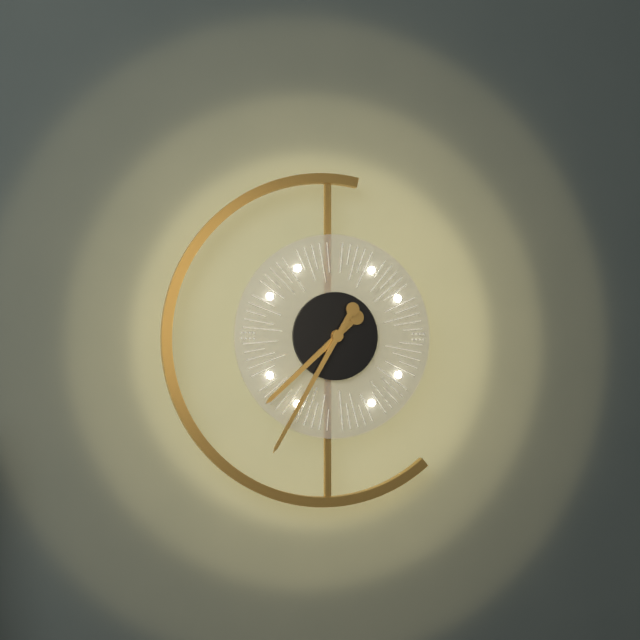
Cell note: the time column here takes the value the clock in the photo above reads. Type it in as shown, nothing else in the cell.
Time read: 7:35
